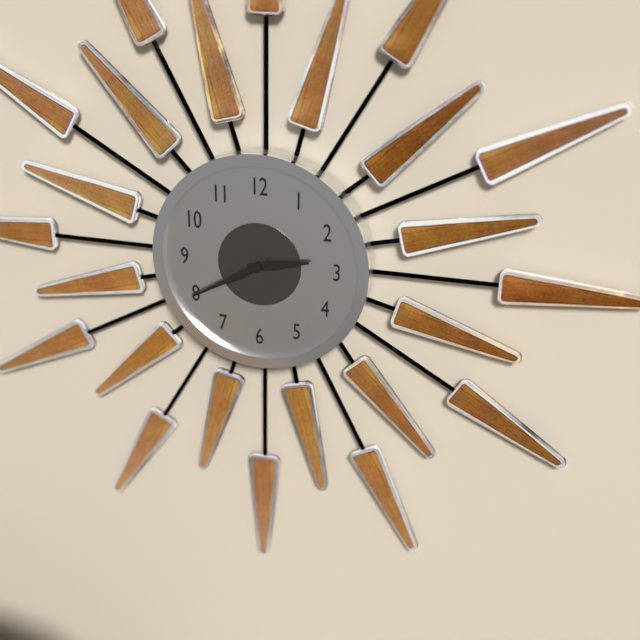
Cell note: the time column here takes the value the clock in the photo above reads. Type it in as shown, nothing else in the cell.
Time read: 2:40
